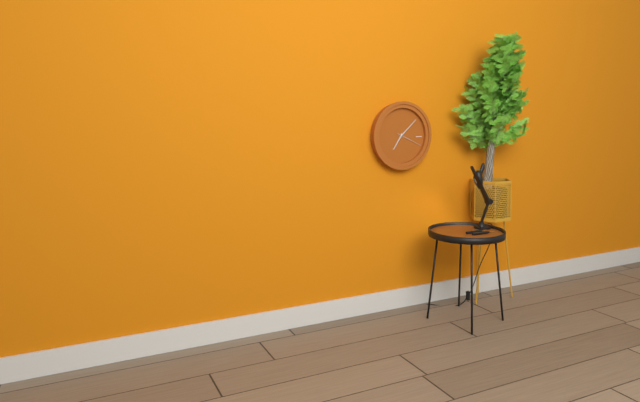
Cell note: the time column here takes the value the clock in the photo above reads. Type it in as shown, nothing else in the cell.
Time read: 7:08
